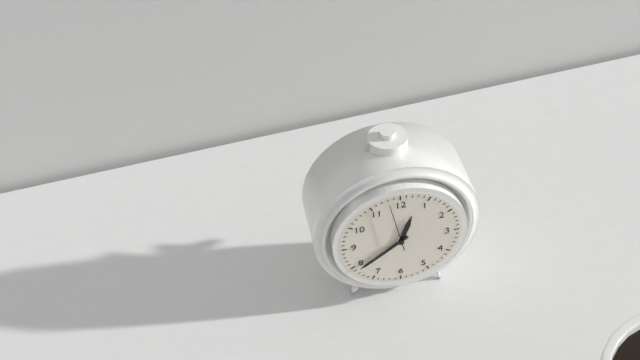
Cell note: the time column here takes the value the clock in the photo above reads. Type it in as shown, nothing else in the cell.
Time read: 12:39
